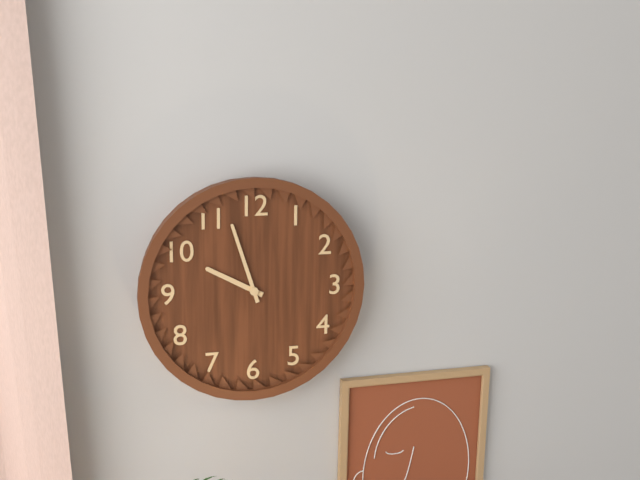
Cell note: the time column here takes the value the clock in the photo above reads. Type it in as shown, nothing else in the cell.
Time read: 9:57
